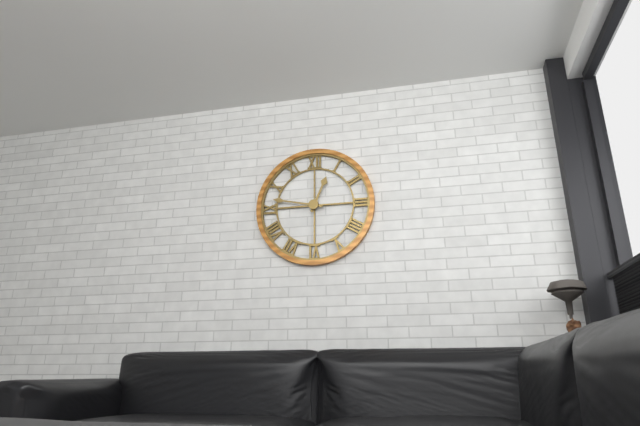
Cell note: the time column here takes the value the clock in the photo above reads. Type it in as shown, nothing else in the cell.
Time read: 12:47
